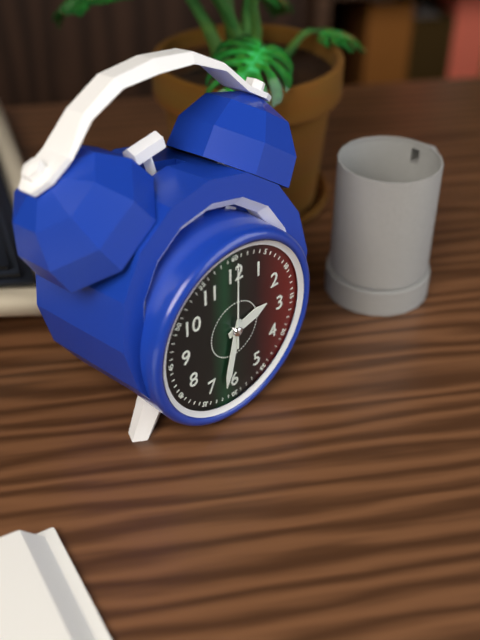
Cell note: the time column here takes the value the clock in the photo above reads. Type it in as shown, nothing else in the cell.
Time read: 2:32:00
